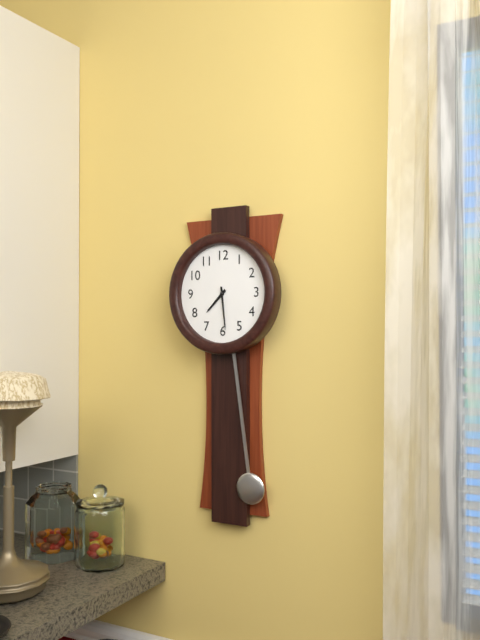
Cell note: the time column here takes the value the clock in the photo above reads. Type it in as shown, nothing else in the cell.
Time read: 7:29
